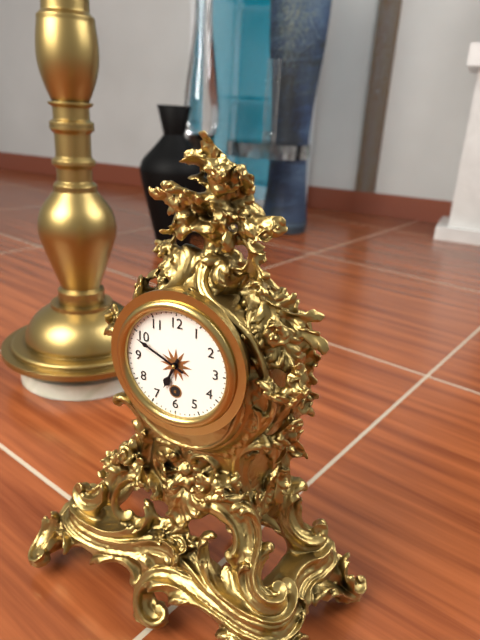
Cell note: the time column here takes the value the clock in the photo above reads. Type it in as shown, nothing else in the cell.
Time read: 6:49
